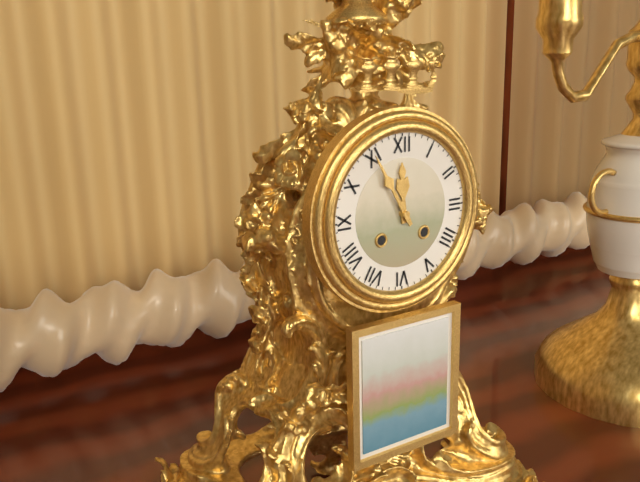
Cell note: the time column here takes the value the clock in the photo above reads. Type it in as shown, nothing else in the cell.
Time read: 11:55
